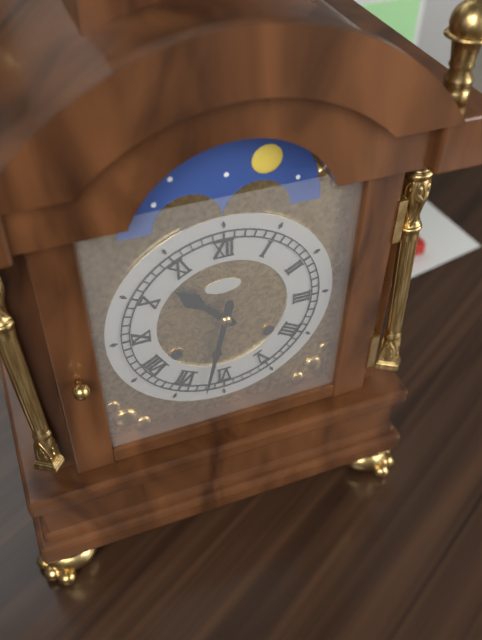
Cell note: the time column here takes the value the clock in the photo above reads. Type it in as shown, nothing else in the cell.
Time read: 10:32
